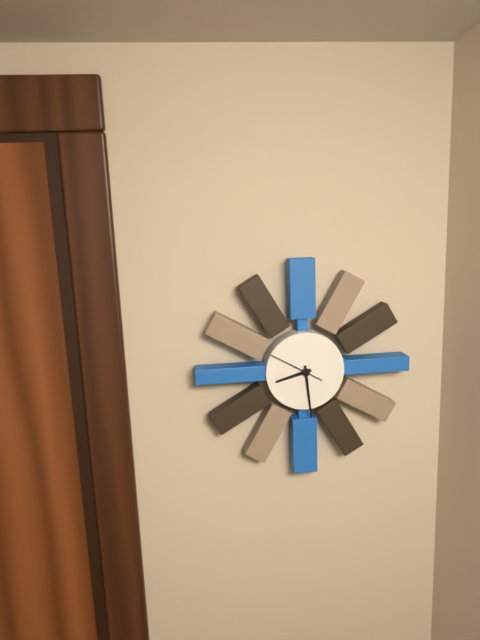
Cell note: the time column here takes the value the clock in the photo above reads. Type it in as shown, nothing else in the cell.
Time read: 8:29
